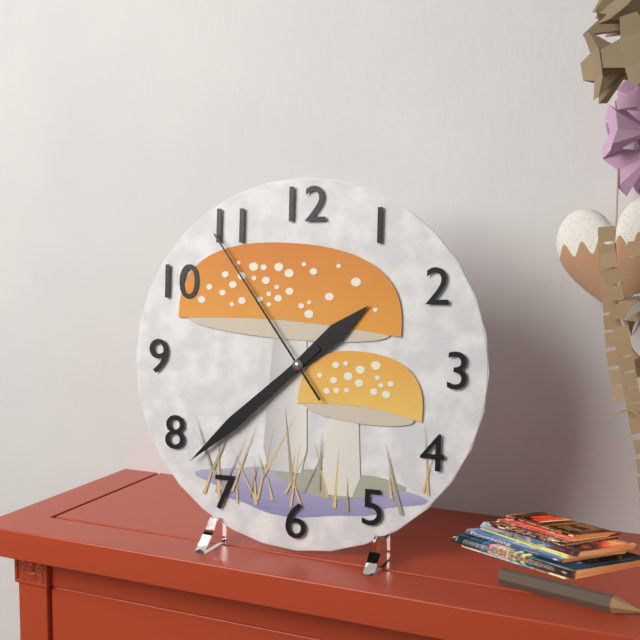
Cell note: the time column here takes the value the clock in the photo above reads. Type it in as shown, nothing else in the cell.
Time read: 1:38:54
